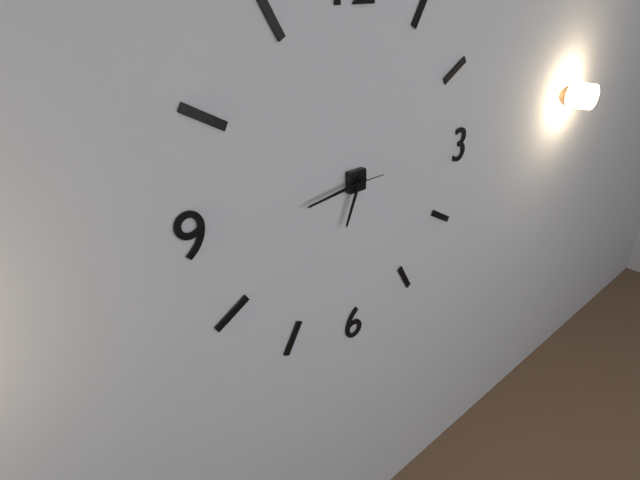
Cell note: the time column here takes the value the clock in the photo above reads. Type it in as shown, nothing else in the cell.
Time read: 6:44
